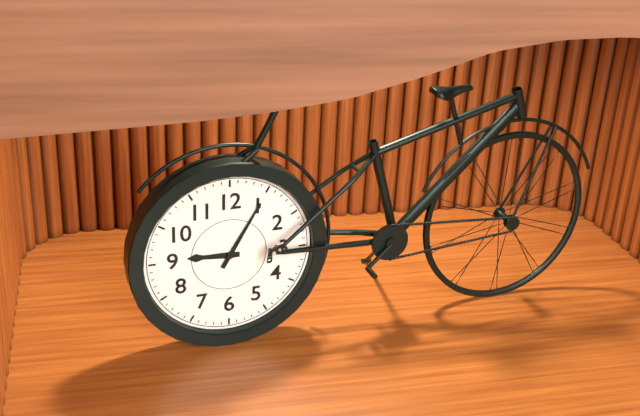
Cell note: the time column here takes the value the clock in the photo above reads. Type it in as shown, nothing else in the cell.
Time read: 9:05
